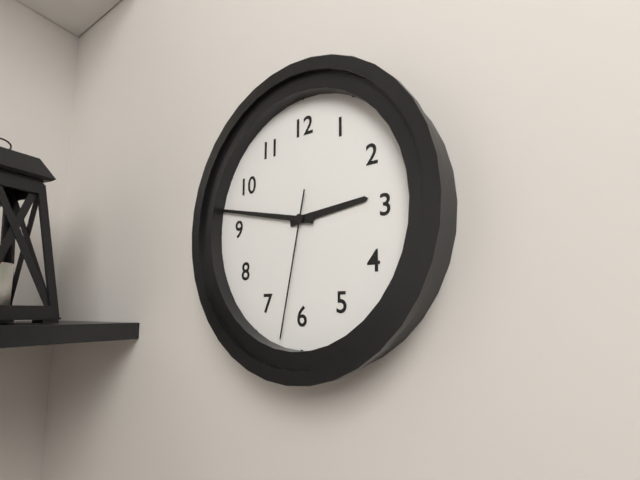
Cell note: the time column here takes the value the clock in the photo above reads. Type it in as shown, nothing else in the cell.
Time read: 2:47:32
